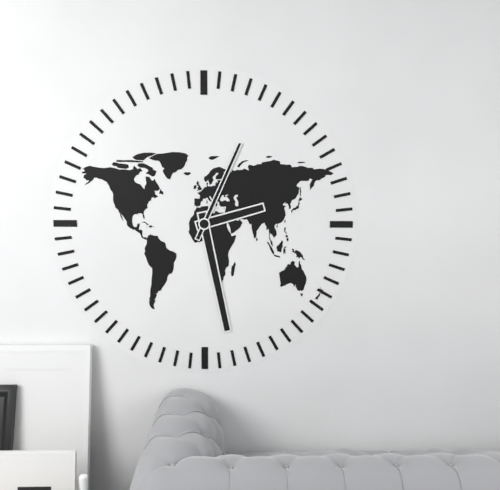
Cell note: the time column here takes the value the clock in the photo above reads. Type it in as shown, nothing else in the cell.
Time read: 2:28:04
